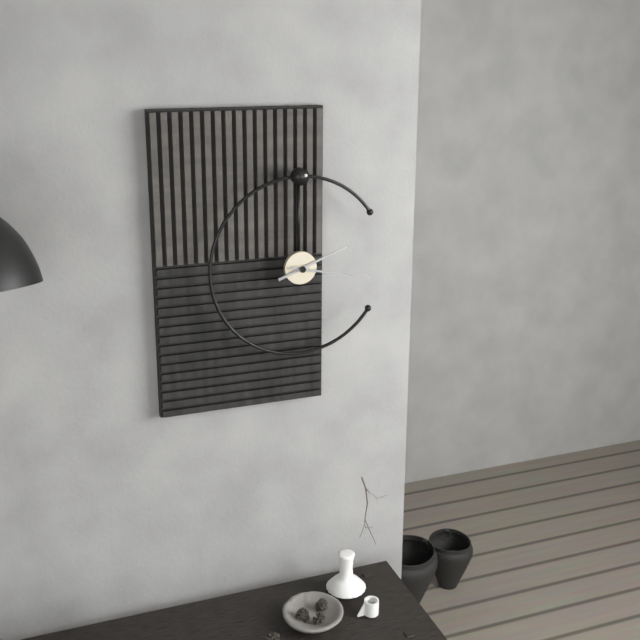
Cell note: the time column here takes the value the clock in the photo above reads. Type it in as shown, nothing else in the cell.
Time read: 2:17
